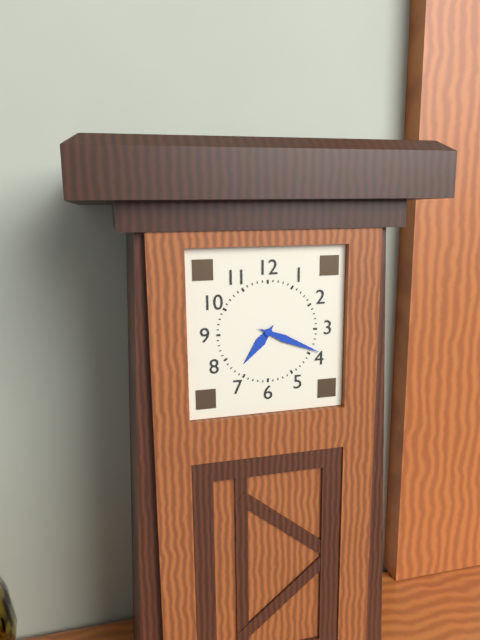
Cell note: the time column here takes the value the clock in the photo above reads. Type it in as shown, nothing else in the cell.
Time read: 7:19
